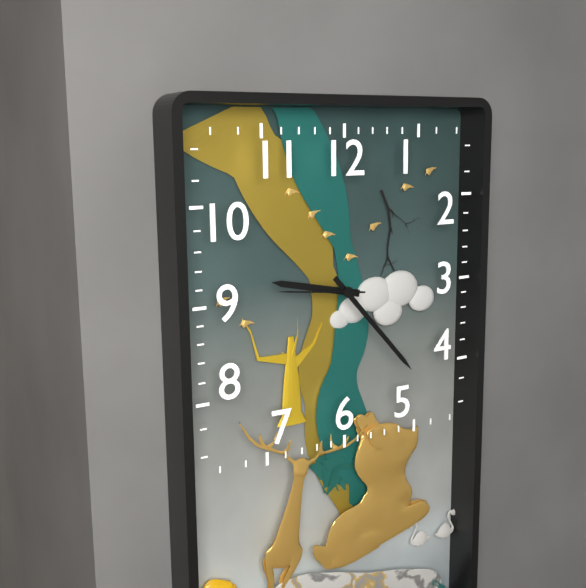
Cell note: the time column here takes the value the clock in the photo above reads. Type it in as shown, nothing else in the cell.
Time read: 9:23:46
